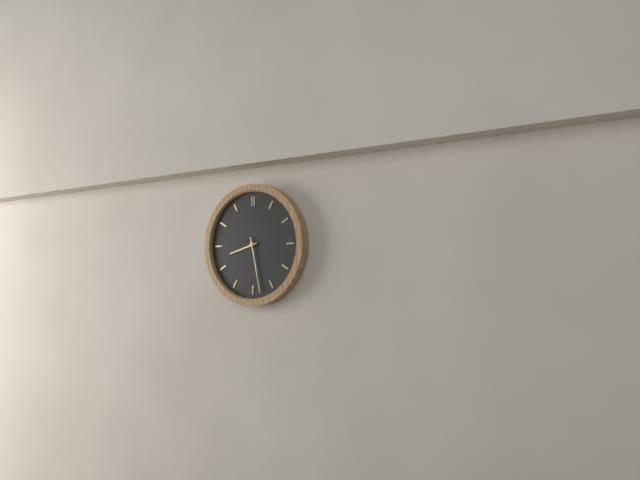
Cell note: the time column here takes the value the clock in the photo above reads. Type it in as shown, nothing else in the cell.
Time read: 8:28
